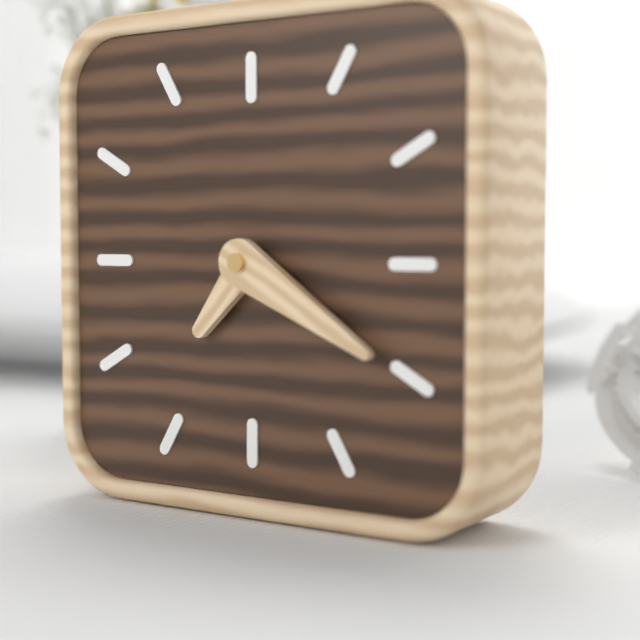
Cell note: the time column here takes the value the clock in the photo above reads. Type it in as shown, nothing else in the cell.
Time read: 7:20
